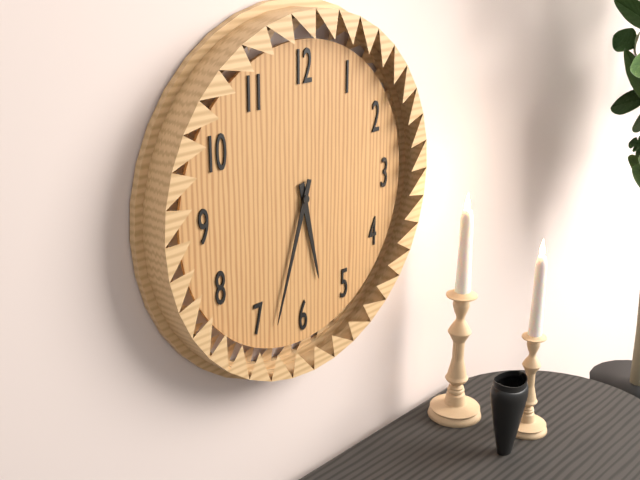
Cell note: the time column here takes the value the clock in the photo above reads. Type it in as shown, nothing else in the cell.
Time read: 5:33
